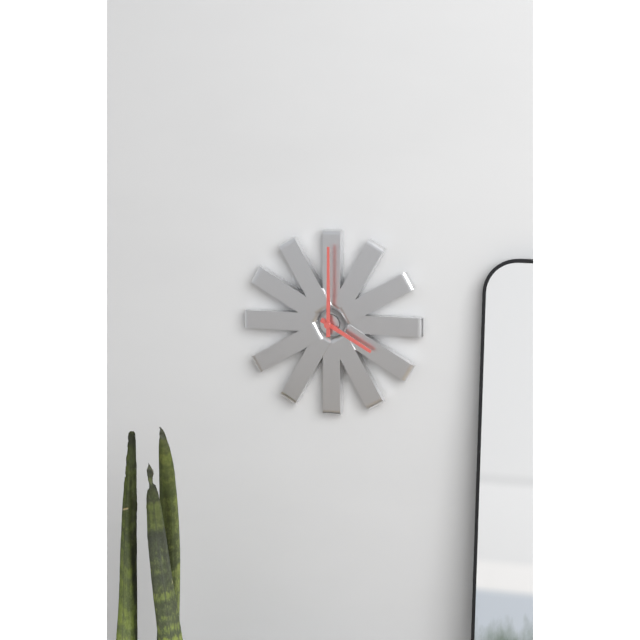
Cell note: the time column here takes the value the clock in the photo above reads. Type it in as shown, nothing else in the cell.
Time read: 4:00
